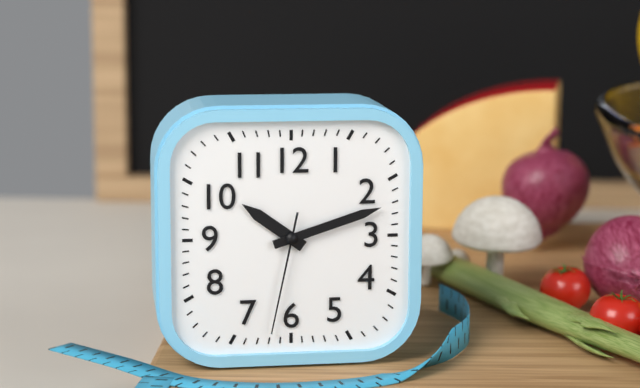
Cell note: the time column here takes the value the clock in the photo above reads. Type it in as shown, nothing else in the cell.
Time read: 10:12:32
